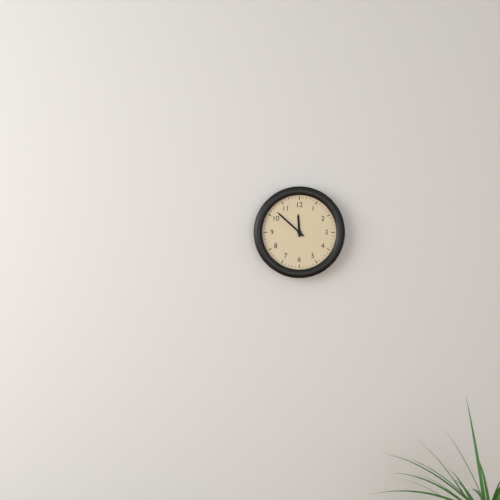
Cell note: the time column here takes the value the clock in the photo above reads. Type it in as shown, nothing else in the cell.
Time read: 11:52
